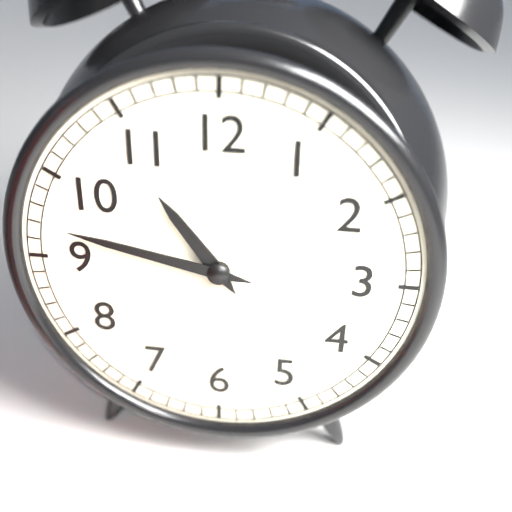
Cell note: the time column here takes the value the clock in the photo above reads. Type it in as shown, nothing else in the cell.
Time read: 10:47
